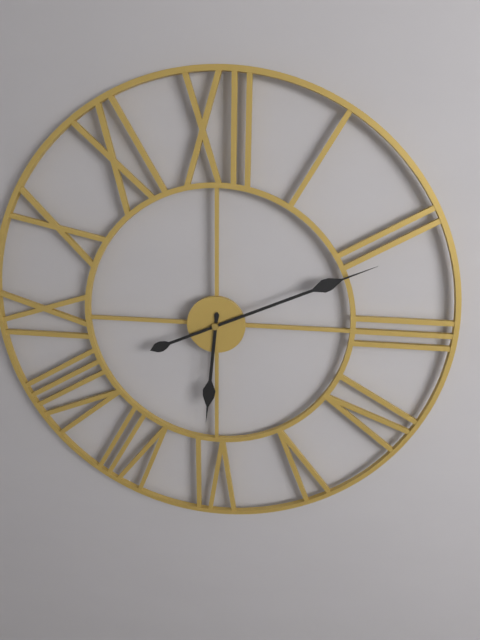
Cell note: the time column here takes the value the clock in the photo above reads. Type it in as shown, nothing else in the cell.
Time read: 6:11
